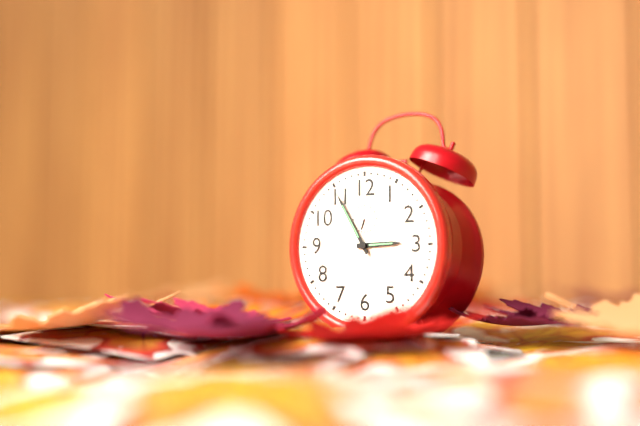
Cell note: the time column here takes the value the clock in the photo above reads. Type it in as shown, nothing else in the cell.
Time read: 2:55
